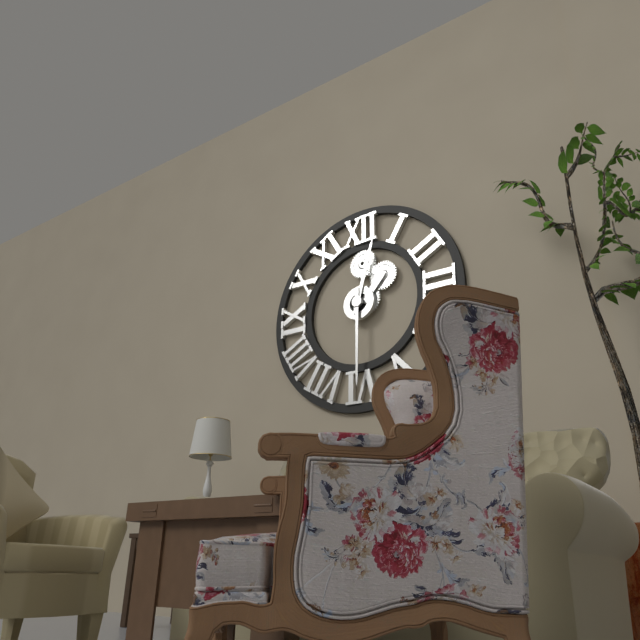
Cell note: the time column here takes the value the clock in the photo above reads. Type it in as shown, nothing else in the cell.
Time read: 12:30
